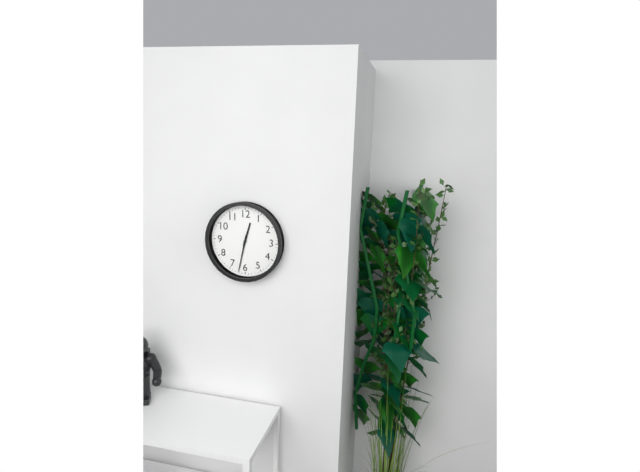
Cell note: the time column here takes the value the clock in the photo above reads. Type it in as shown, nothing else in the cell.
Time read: 12:32
